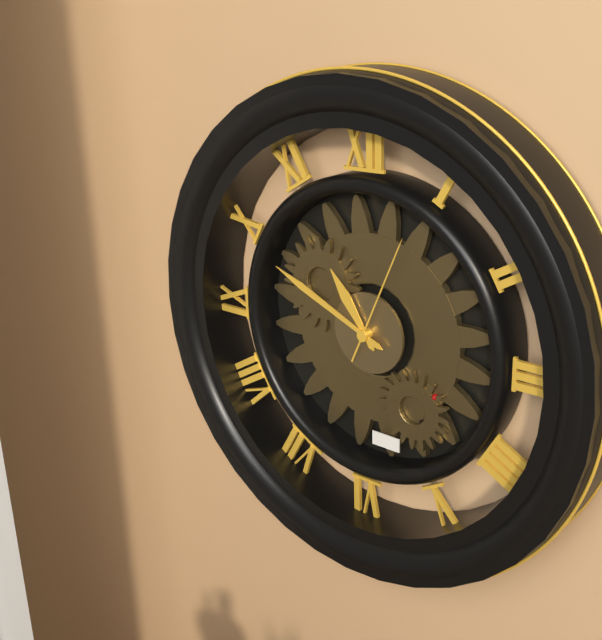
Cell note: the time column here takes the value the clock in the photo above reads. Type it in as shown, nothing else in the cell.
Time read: 10:49:04
